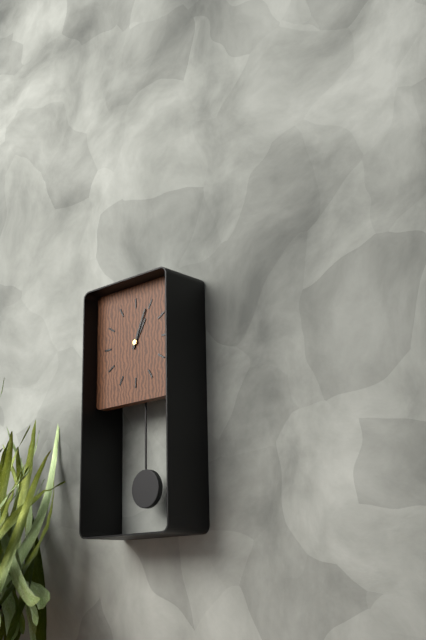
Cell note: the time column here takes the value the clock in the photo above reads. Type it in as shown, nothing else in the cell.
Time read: 1:04
